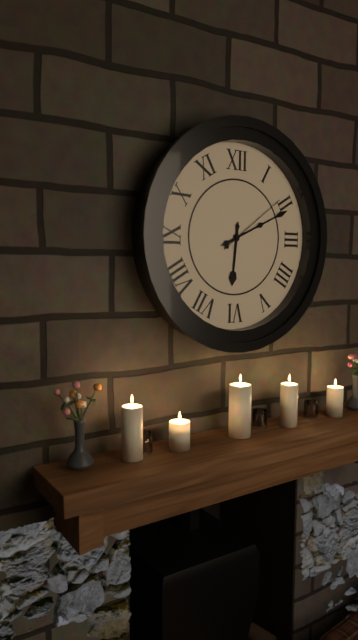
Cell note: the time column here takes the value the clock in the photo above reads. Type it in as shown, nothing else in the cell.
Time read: 6:11:09
